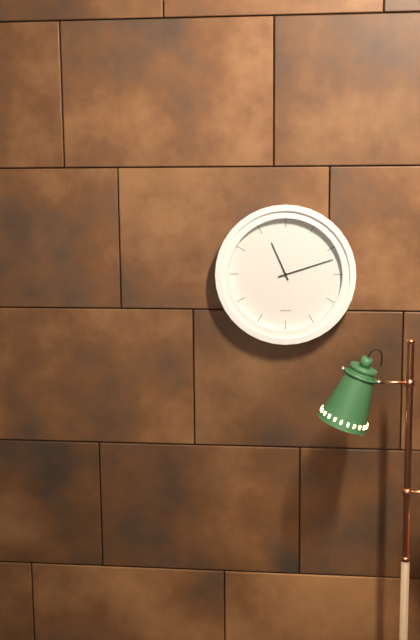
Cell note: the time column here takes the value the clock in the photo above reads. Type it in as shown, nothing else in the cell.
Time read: 11:12
